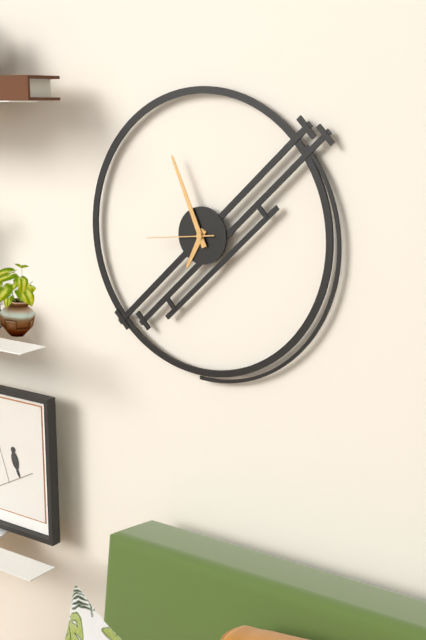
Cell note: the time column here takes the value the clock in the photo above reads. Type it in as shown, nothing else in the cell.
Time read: 6:56:44
